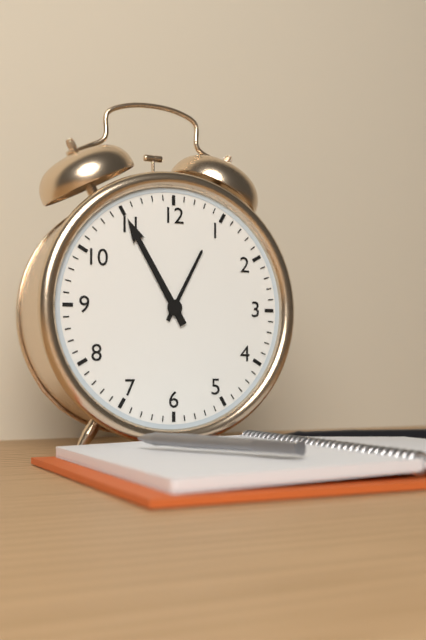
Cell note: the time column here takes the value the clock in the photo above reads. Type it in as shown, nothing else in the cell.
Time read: 12:55
